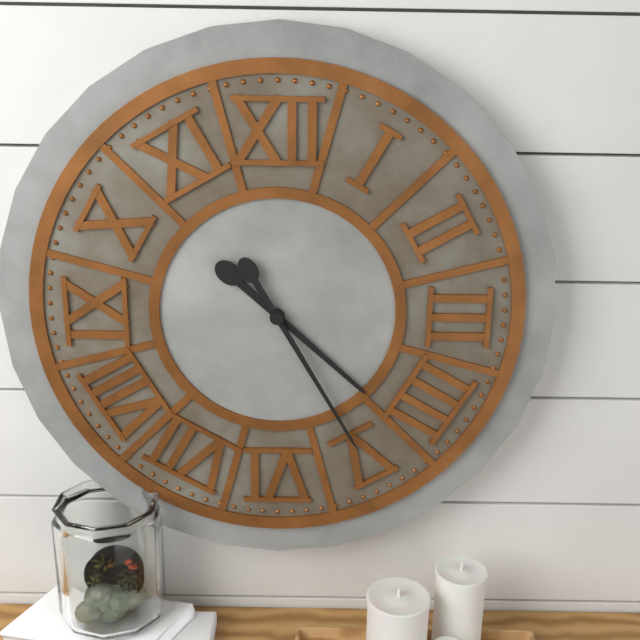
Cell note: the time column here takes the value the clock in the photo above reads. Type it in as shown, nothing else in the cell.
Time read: 4:25
